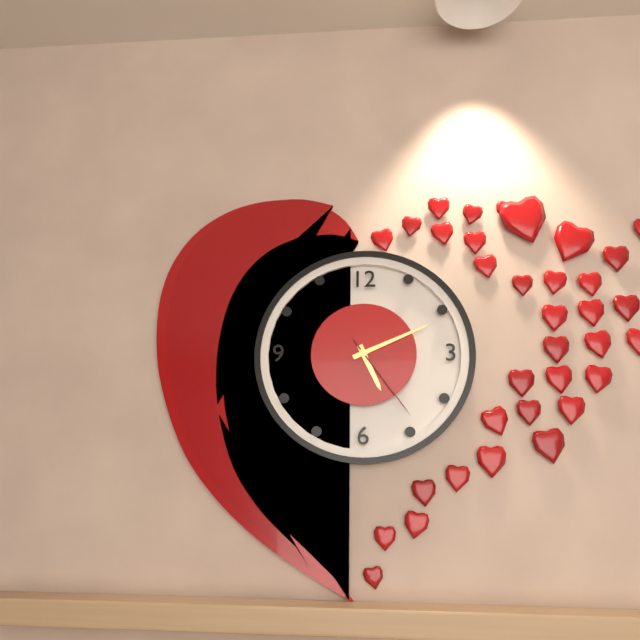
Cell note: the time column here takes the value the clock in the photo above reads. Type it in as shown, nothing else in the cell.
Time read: 5:11:24
